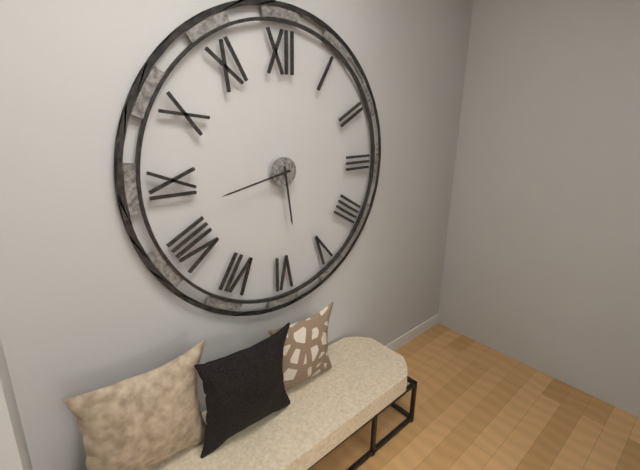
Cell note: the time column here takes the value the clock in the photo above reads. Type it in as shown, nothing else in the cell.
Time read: 5:43
